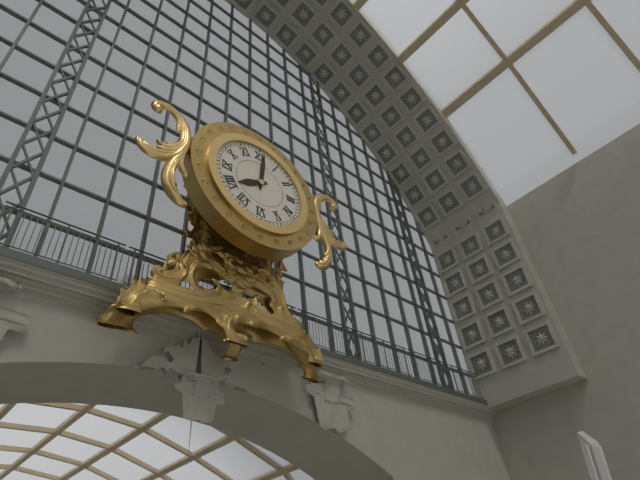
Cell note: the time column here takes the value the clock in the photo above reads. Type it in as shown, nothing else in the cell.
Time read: 8:01
